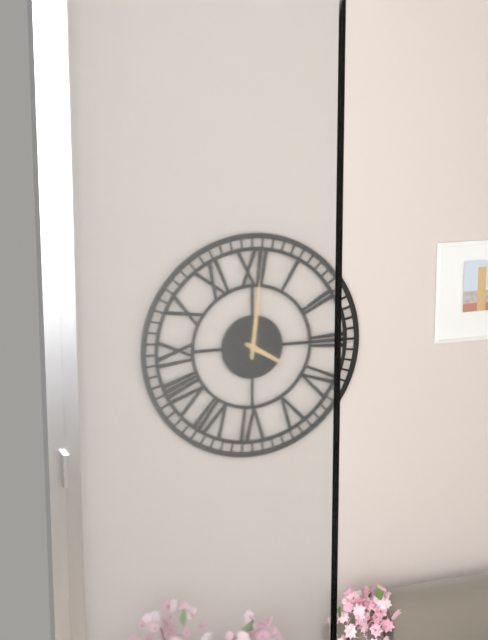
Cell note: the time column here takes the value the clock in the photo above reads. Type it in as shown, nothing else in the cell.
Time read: 4:01
